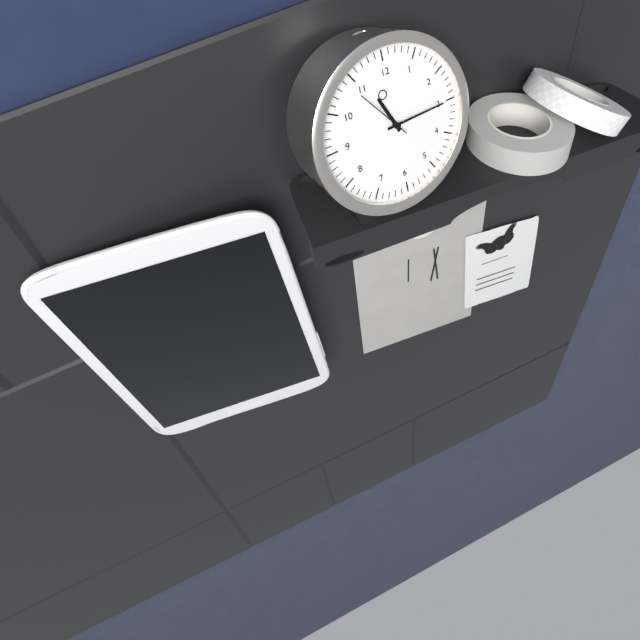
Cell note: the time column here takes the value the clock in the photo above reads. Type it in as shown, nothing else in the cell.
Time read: 11:15:54
